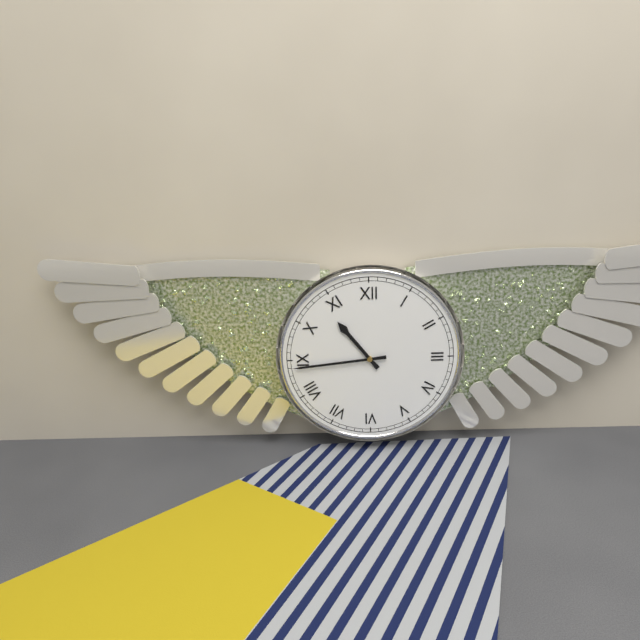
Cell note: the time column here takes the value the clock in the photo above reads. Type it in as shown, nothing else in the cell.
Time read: 10:44
